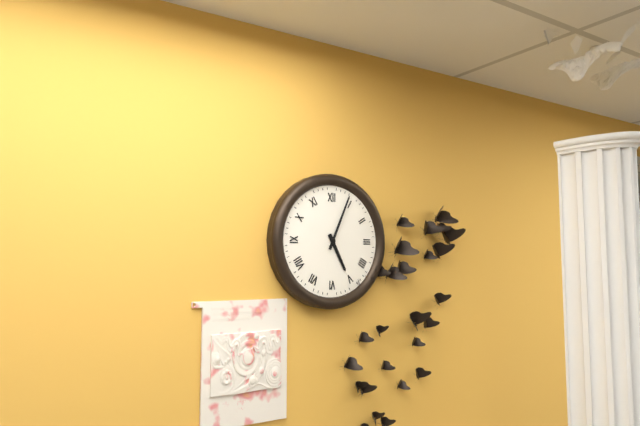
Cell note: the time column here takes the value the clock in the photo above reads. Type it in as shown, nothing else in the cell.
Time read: 5:04
